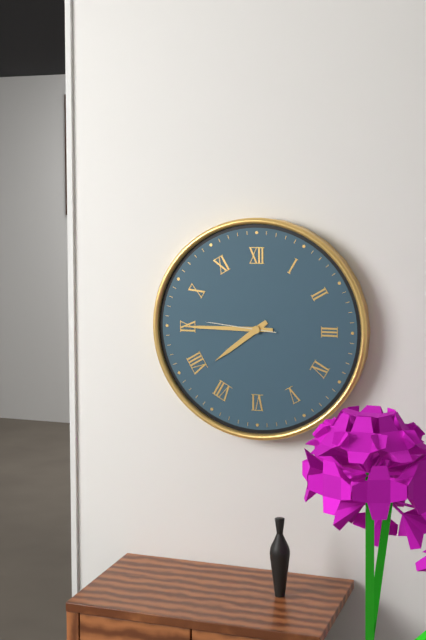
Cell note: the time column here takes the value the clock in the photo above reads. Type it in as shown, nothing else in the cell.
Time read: 7:45:46
